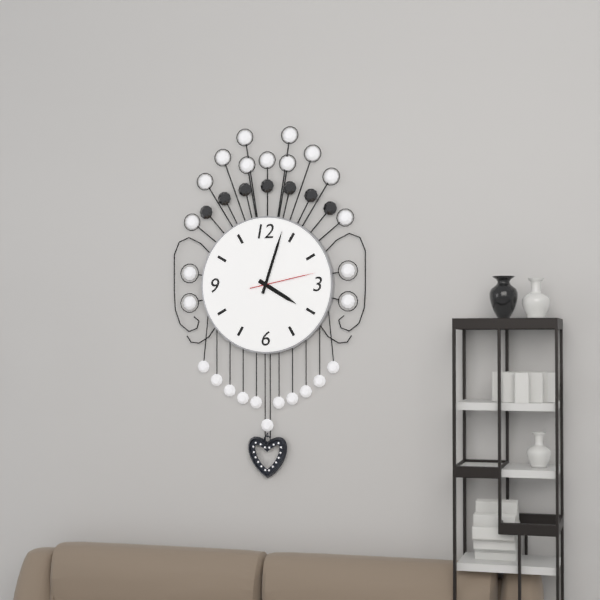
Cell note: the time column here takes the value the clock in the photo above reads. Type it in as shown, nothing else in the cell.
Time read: 4:03:13
